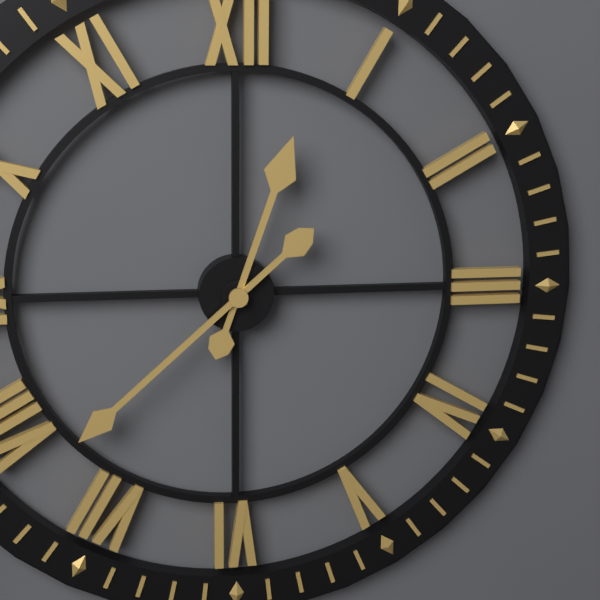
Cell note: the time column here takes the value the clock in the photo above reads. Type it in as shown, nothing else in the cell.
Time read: 12:38
